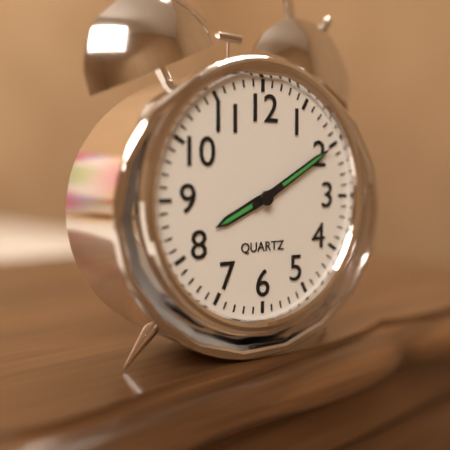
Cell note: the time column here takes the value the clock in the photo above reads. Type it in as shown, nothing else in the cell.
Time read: 8:10
